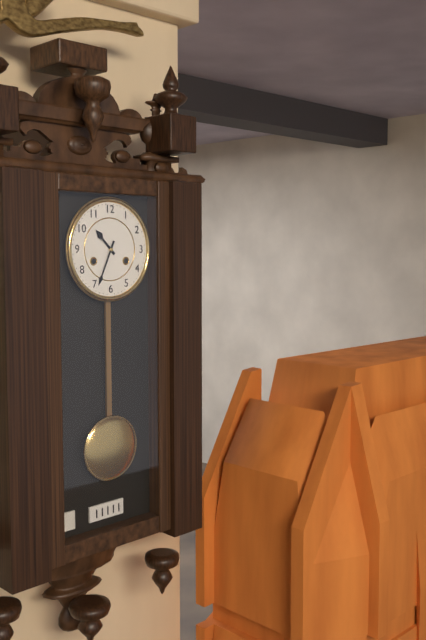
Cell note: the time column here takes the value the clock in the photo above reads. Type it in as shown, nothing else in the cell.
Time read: 10:34
